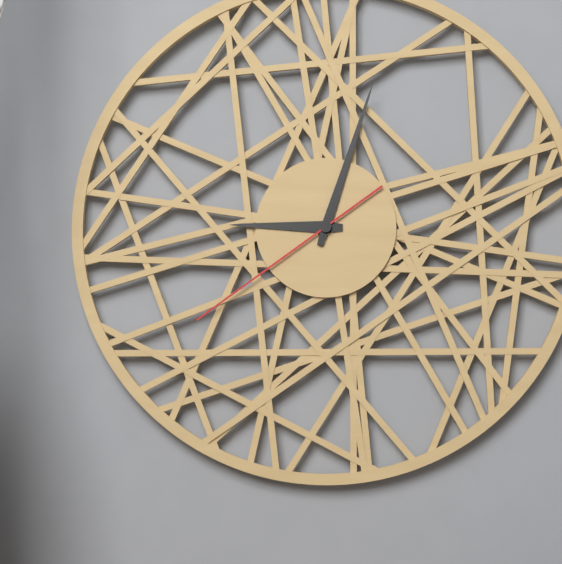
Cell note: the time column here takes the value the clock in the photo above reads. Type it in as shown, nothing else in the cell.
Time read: 9:03:39
